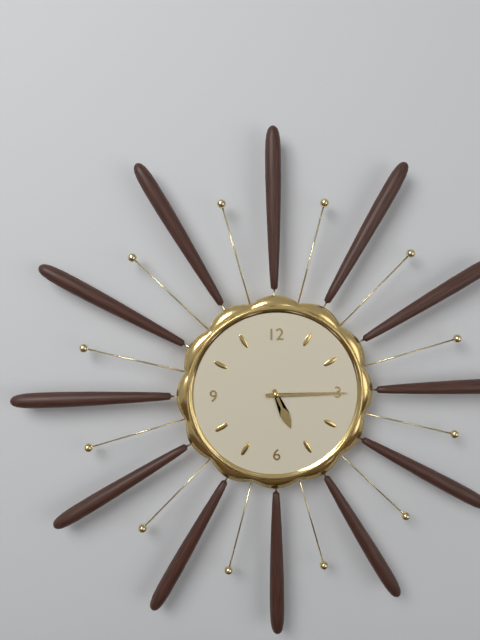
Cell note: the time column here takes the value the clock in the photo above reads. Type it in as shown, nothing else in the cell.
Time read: 5:15
